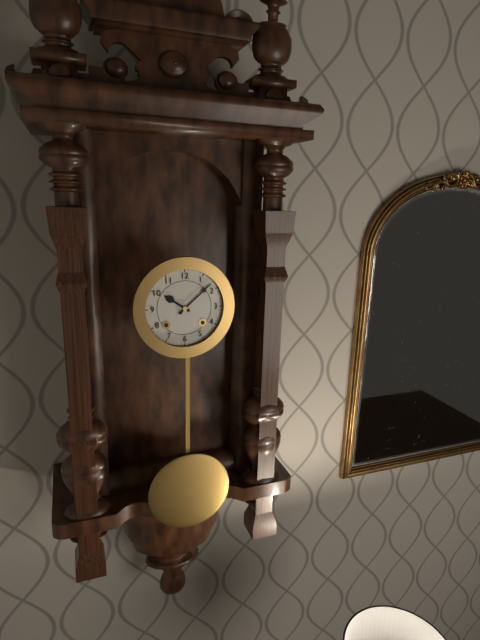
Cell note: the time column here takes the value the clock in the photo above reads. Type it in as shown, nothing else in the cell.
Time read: 10:08
